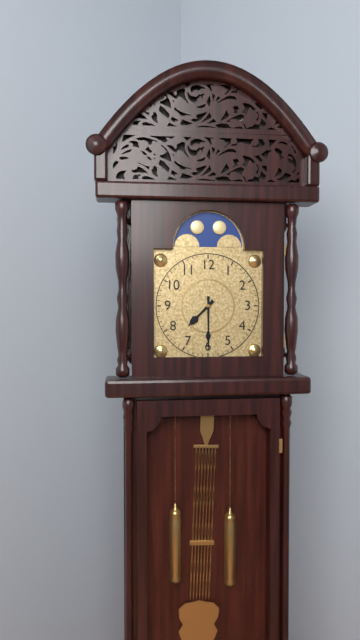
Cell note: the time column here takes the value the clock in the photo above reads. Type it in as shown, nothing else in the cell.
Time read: 7:30
